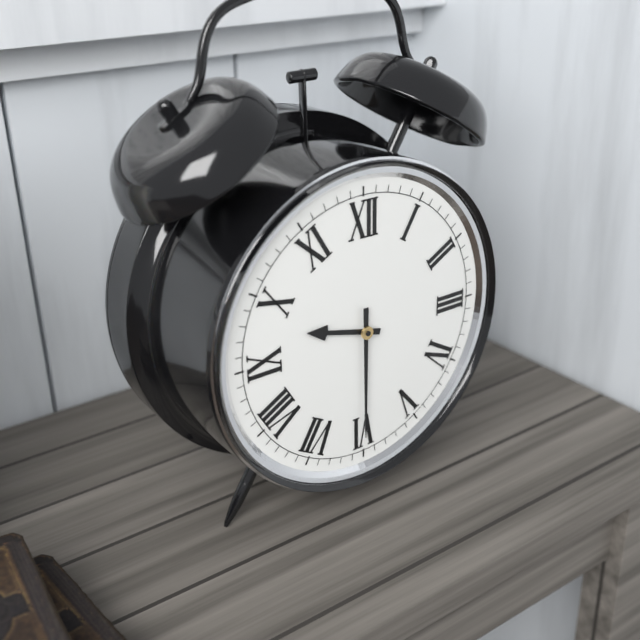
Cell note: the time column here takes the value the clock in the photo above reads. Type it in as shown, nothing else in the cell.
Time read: 9:30
